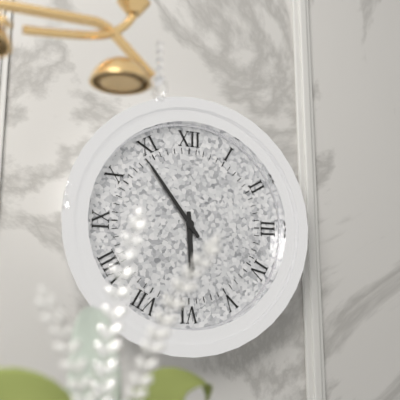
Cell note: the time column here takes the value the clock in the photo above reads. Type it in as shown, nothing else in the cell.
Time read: 5:54
